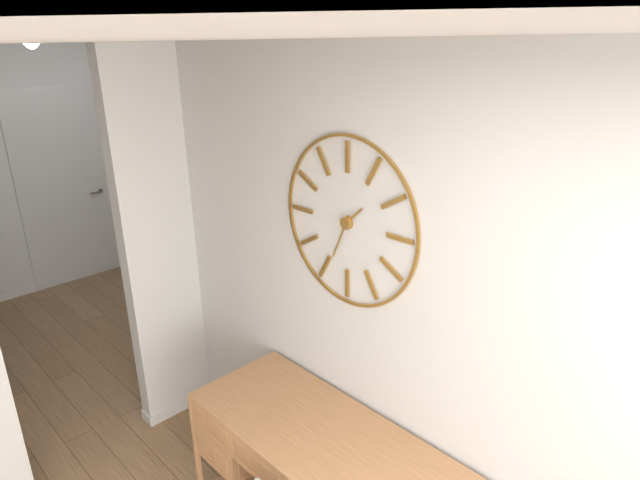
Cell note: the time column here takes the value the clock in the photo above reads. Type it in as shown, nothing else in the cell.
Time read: 1:34
